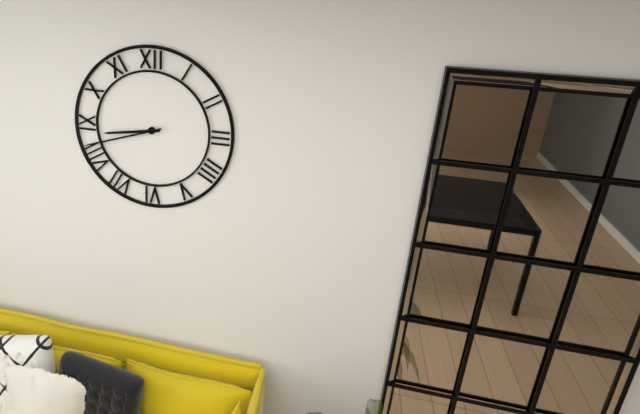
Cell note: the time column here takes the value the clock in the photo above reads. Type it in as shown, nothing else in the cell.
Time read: 8:42
